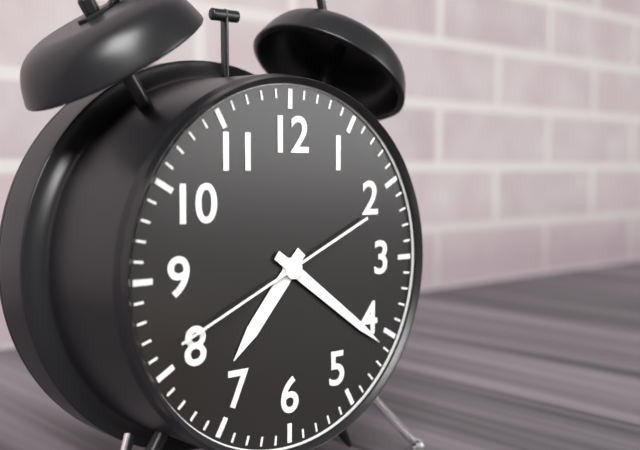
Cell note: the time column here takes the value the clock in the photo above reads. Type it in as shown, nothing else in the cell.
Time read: 7:21:41
